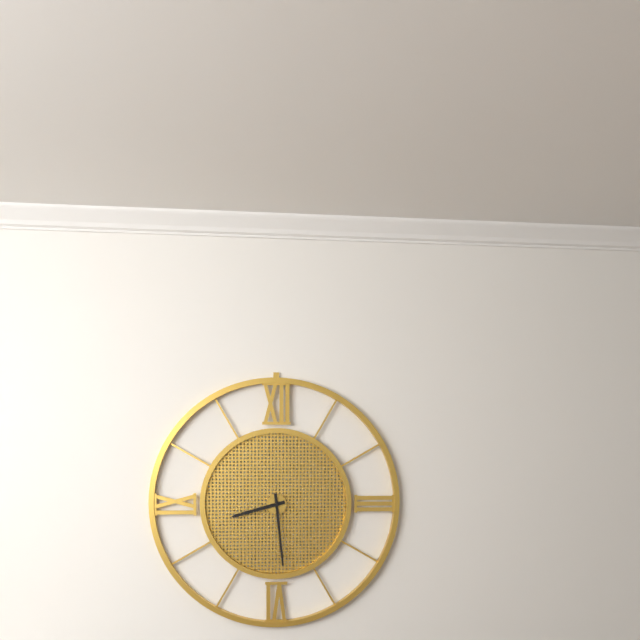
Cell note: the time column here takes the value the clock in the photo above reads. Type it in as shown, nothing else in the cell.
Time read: 8:29
